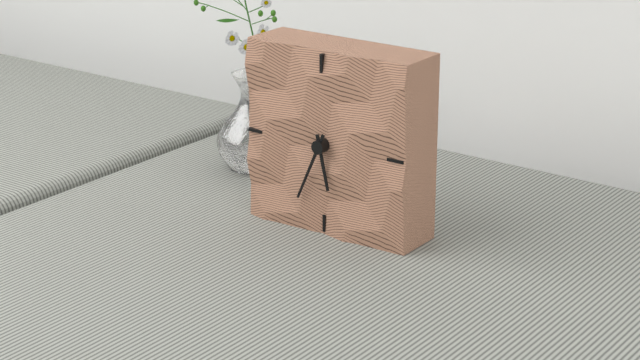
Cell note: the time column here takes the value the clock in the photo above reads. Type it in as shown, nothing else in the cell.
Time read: 5:34
